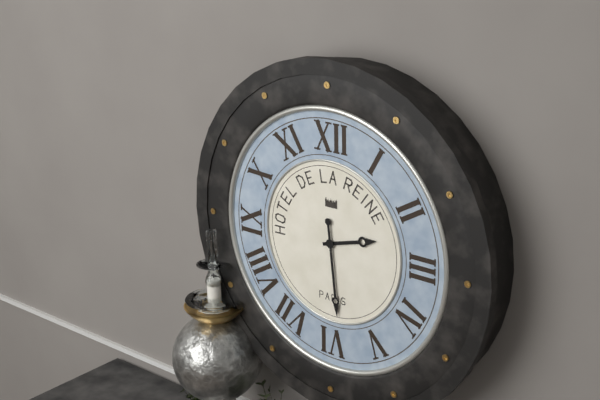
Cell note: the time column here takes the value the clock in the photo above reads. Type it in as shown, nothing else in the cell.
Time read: 2:29
